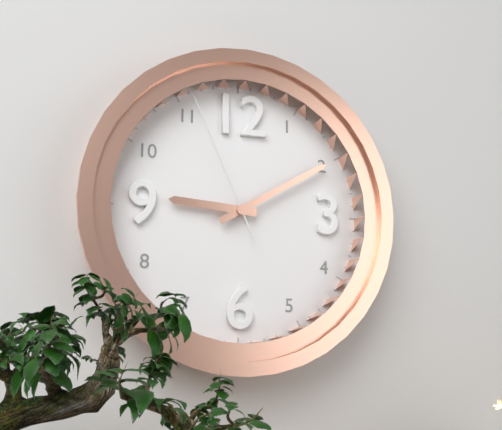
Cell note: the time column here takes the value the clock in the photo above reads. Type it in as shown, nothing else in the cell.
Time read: 9:10:56
